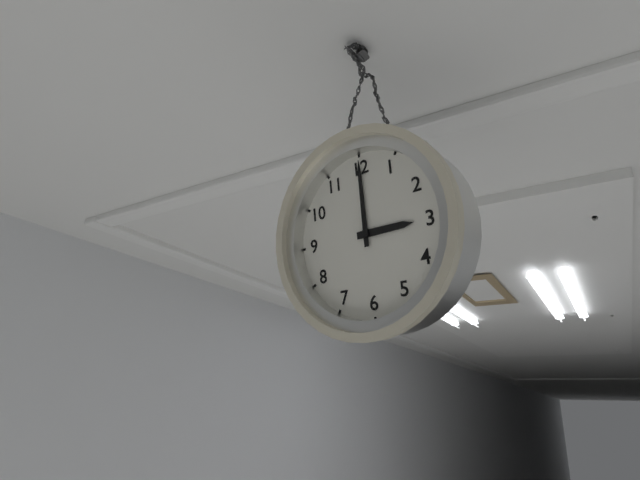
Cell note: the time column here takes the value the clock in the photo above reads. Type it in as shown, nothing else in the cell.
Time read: 3:00
